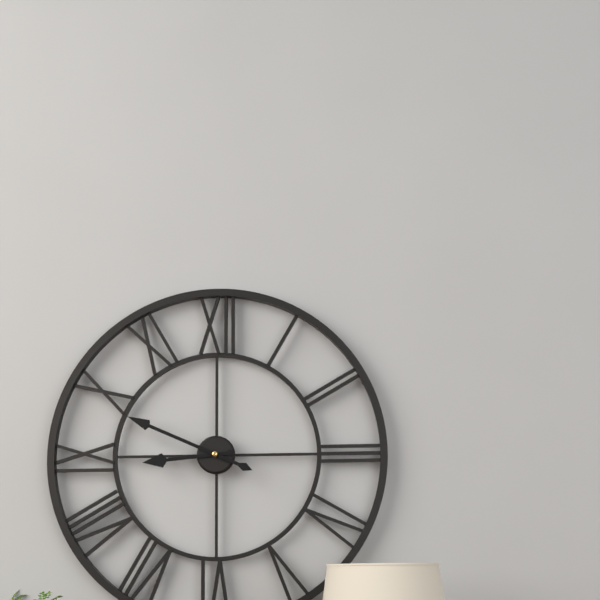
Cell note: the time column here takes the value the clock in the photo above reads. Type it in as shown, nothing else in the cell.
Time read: 8:49
